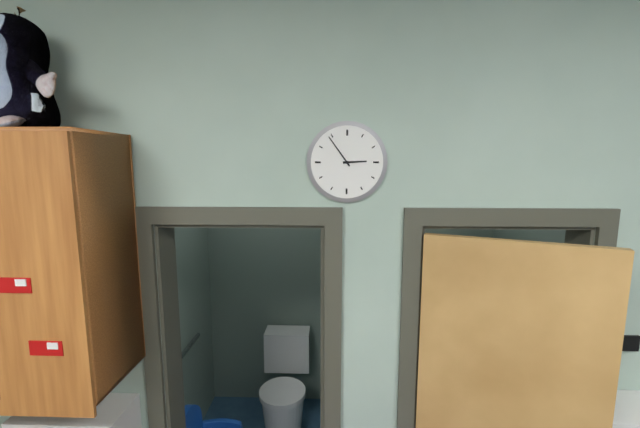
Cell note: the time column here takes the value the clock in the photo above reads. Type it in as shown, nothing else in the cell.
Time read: 2:54
